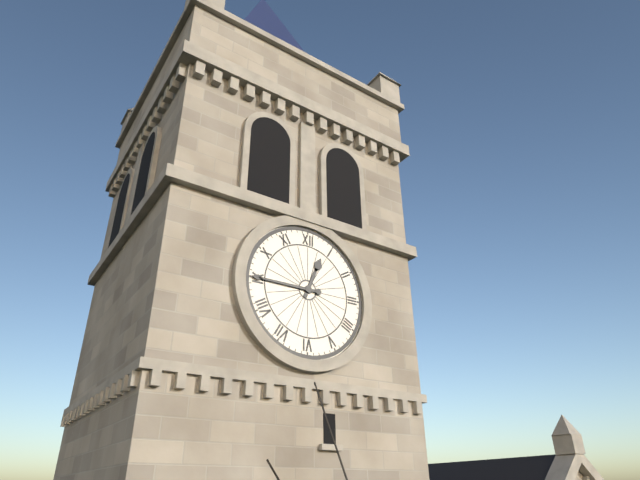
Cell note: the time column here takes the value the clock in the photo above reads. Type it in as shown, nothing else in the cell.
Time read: 12:45
